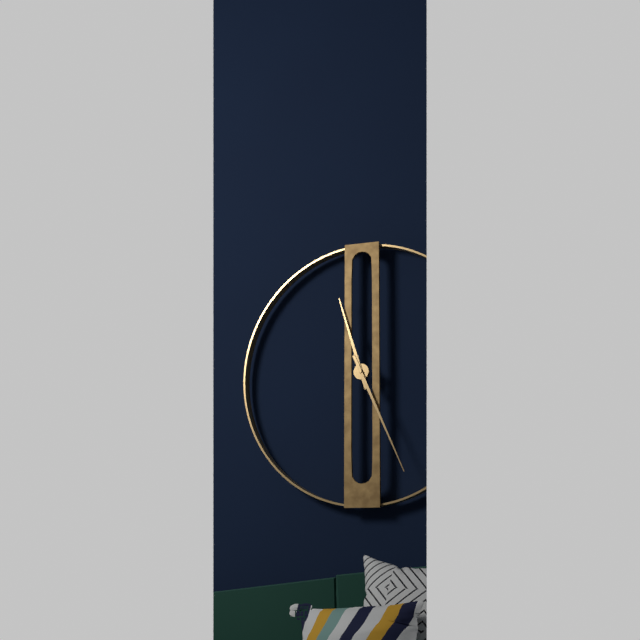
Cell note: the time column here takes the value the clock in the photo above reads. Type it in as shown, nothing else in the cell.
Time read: 11:26
